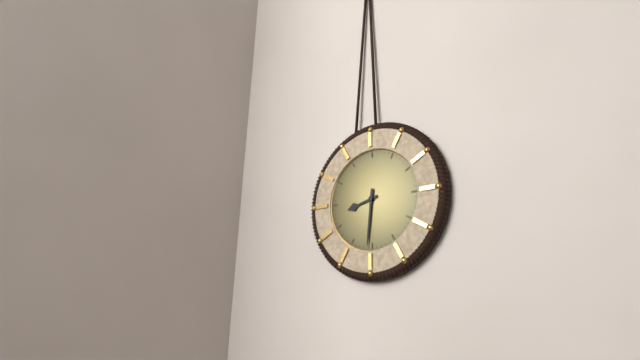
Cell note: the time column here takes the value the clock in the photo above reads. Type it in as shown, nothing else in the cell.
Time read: 8:31
